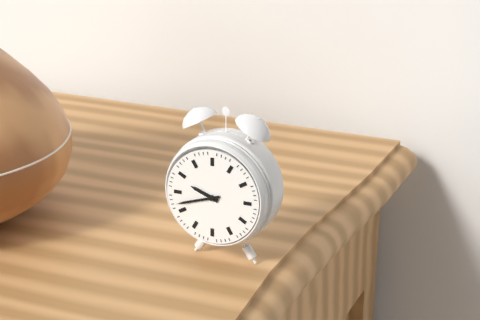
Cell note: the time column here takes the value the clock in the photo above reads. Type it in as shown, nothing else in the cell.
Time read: 9:42
